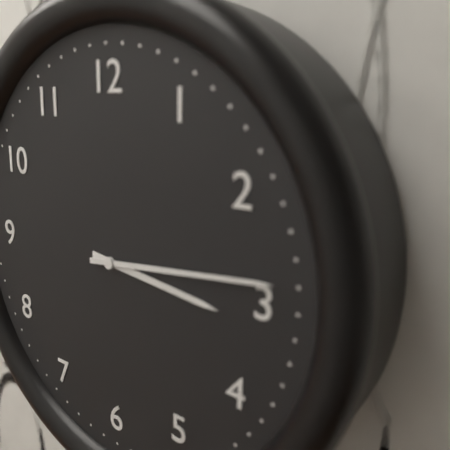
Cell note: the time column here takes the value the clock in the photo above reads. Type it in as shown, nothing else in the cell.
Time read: 3:14
